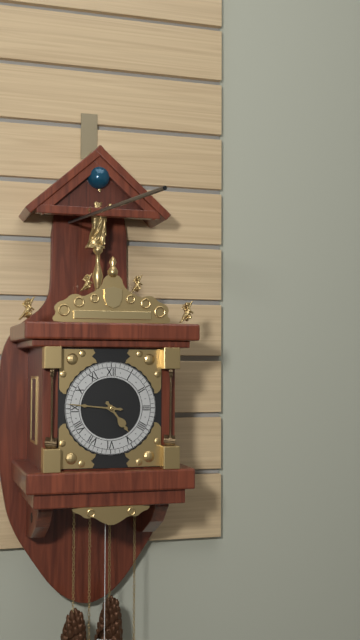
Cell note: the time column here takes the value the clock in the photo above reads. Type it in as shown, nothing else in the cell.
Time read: 4:46
